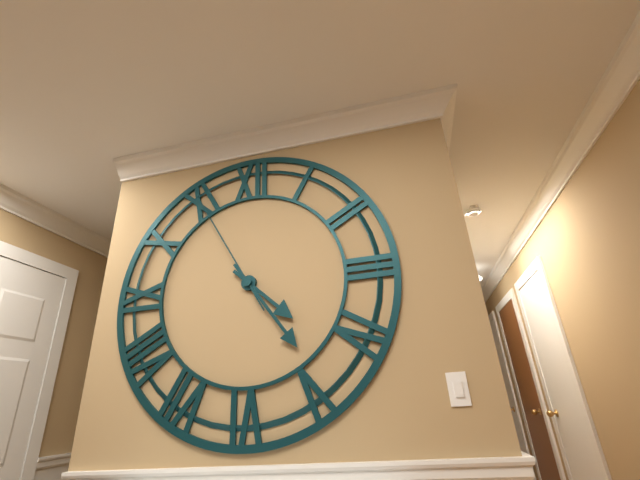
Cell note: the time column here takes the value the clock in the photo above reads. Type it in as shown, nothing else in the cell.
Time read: 4:24:55
